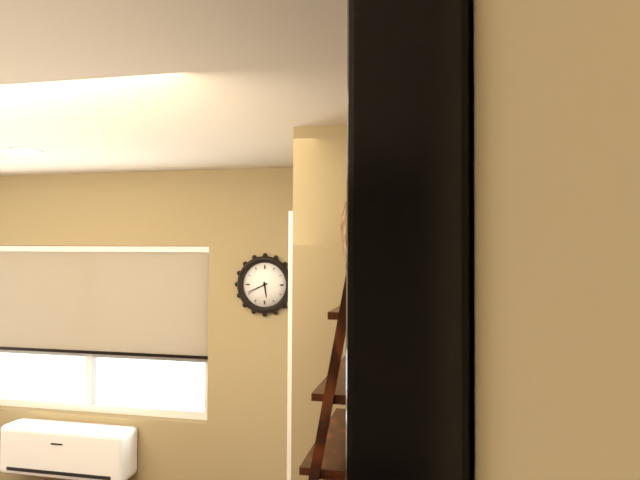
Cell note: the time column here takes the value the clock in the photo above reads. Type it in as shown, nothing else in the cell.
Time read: 5:41
